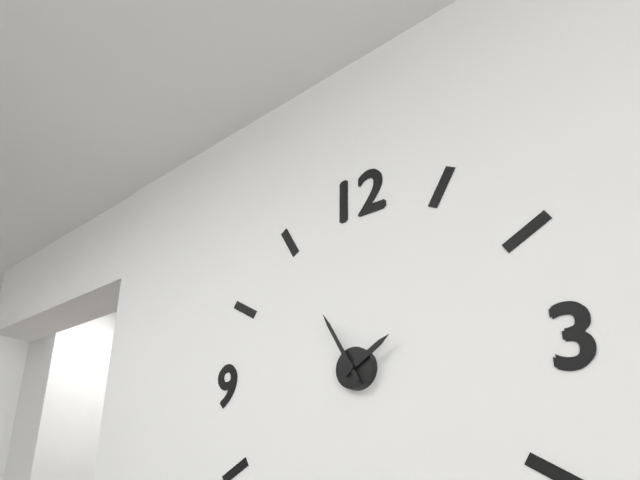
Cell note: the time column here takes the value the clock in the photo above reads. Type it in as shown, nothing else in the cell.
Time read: 1:55
